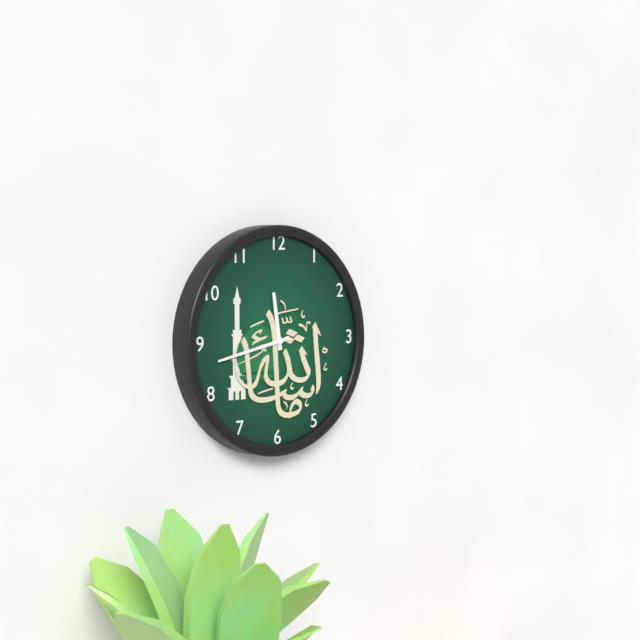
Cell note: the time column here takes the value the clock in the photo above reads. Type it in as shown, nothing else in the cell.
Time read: 11:43
